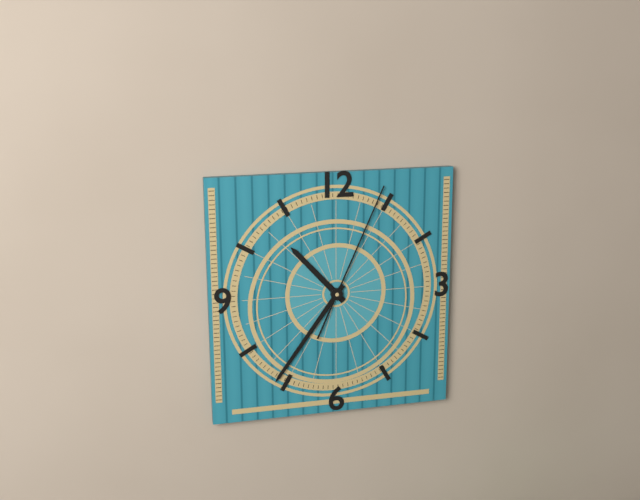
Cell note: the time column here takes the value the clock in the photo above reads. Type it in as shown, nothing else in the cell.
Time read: 10:36:04
